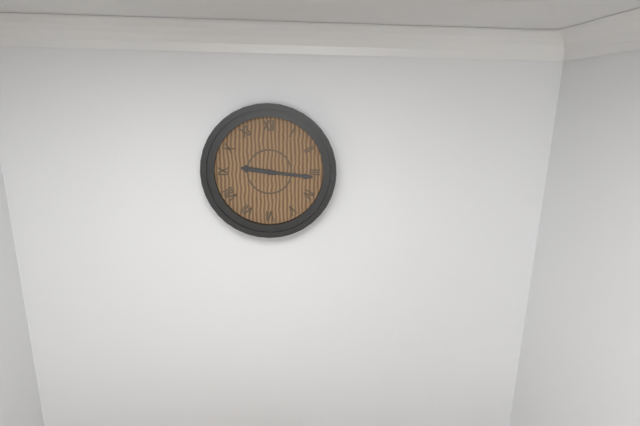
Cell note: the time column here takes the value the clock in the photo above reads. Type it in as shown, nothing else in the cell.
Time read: 9:16
